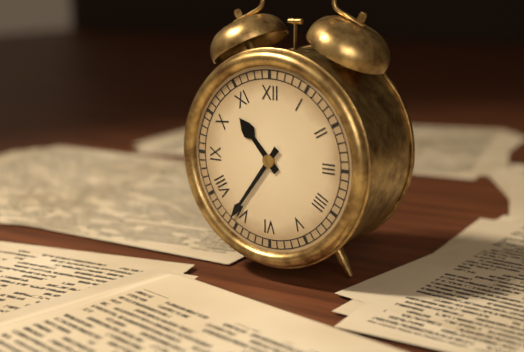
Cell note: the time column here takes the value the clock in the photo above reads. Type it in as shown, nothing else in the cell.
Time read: 10:36
